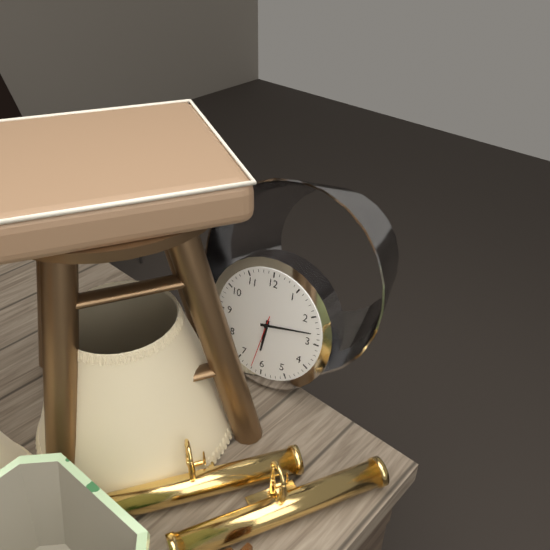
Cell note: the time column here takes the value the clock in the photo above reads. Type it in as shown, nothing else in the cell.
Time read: 6:13:32
